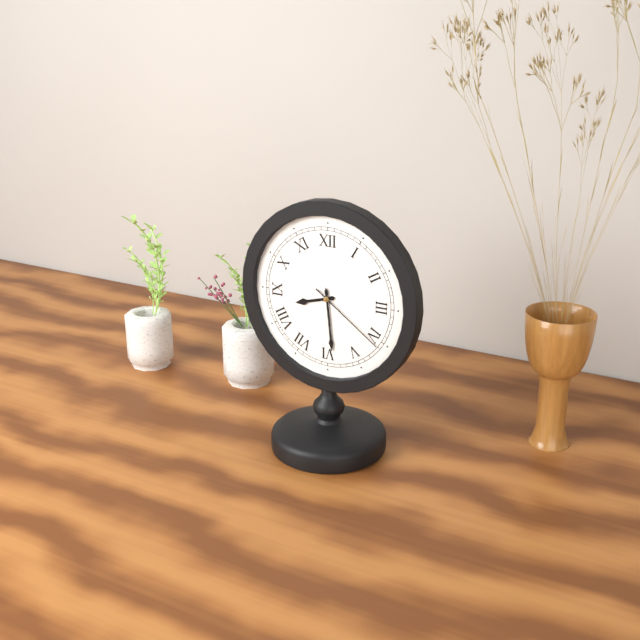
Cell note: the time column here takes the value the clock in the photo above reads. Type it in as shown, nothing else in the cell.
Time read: 8:29:21
